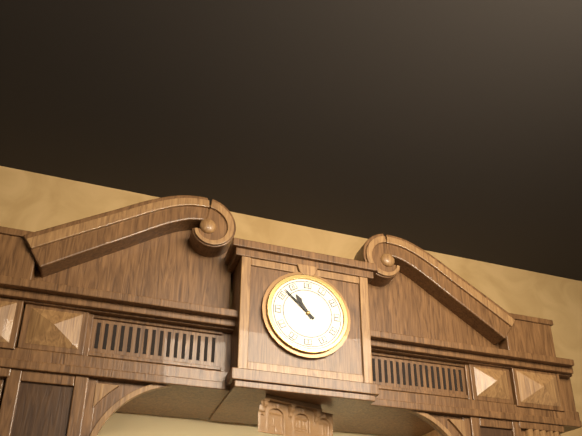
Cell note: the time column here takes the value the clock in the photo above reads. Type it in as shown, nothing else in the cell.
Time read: 10:52
